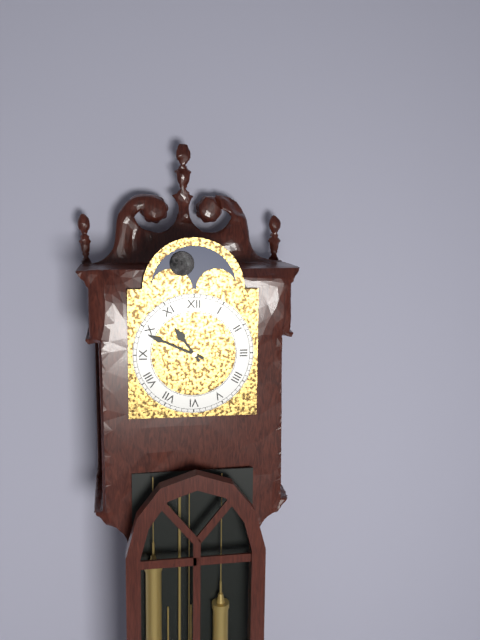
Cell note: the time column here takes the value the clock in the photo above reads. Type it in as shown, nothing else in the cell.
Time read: 10:49
